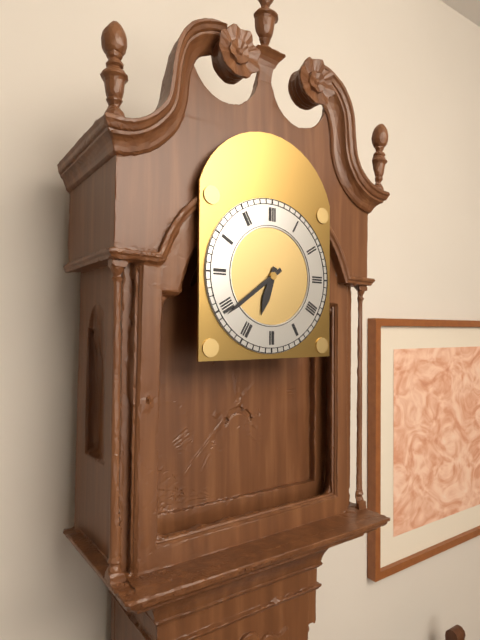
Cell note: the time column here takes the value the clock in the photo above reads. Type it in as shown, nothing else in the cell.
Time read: 6:39
